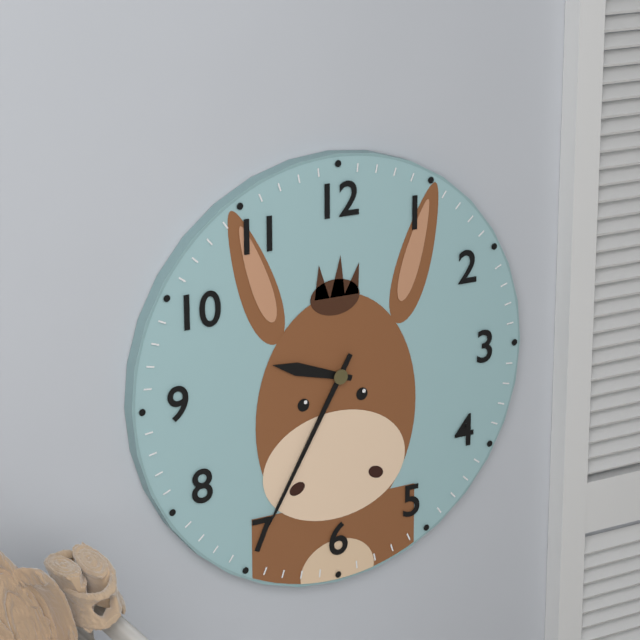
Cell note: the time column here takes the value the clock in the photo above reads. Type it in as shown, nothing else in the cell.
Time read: 9:35
